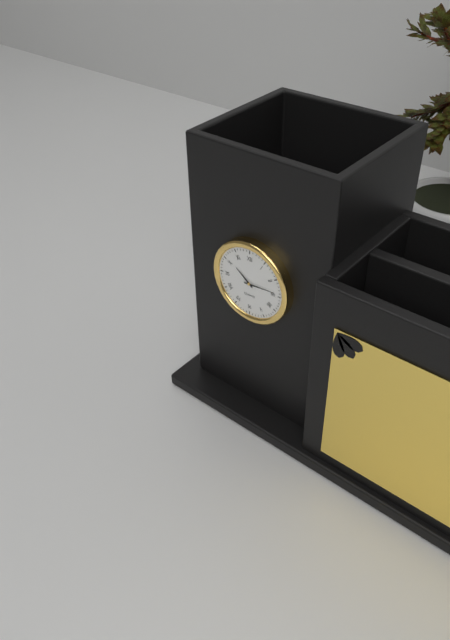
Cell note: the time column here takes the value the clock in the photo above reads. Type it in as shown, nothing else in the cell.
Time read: 10:14
